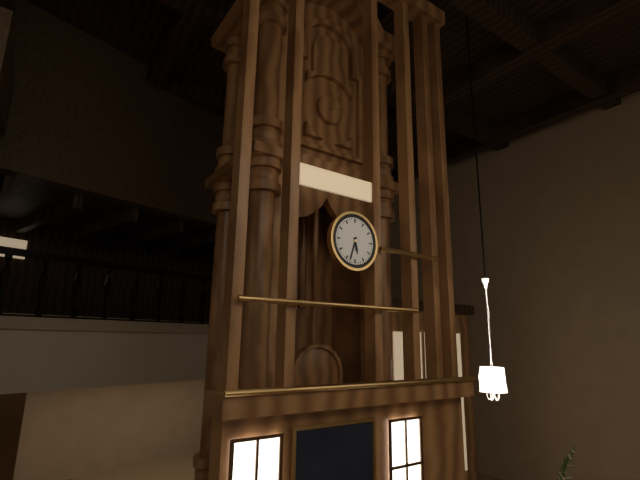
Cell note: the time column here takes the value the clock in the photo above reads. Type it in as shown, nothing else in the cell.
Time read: 5:33
